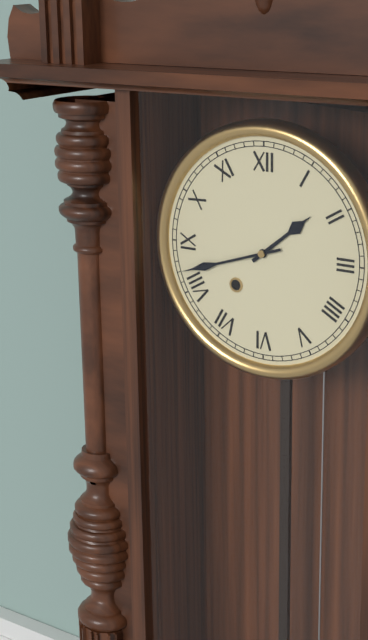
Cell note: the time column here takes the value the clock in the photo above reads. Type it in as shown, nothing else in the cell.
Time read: 1:42
